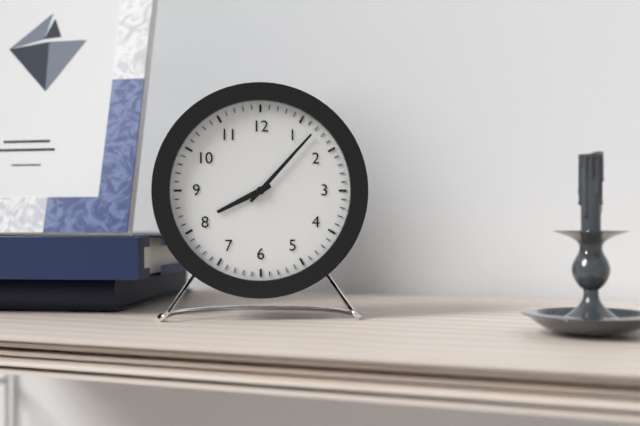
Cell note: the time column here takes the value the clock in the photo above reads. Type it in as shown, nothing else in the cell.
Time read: 8:07
